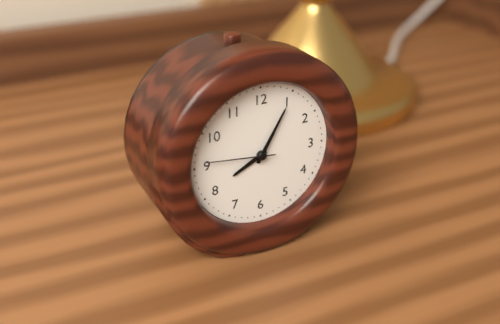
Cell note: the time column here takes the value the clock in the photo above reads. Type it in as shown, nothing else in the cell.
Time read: 8:05:46
